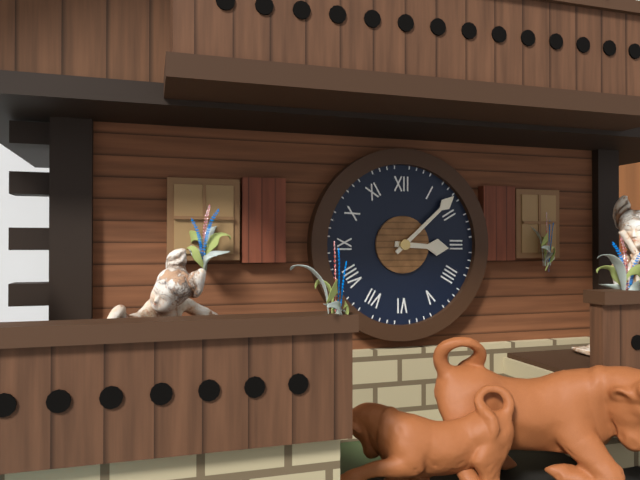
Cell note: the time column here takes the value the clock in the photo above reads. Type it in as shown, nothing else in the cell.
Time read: 3:08
